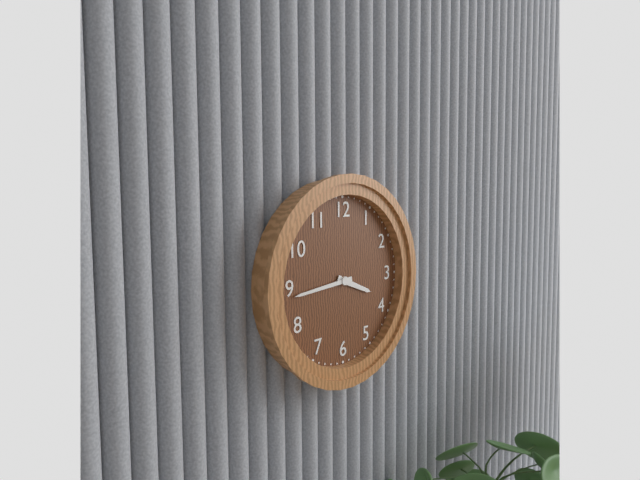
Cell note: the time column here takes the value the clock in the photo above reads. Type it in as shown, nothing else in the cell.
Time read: 3:44
